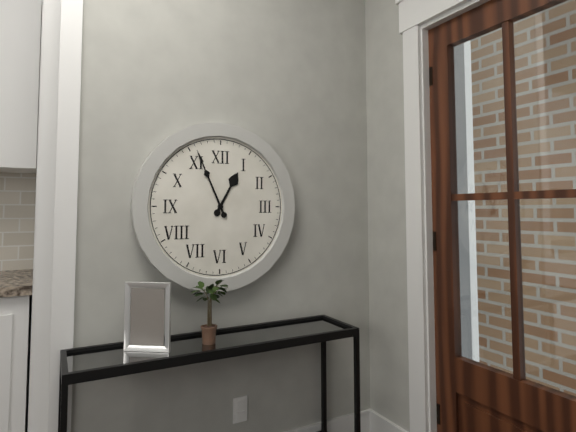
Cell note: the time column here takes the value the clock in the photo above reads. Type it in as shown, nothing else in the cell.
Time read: 12:56
